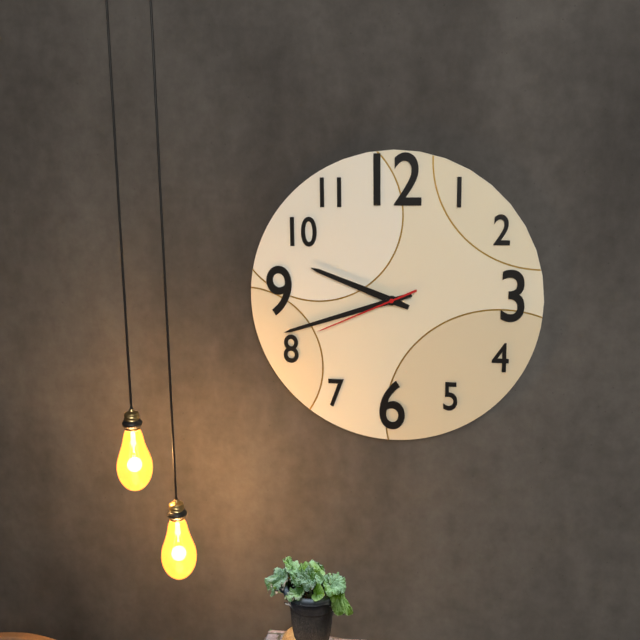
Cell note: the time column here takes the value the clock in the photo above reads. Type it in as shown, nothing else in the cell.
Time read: 9:42:41
